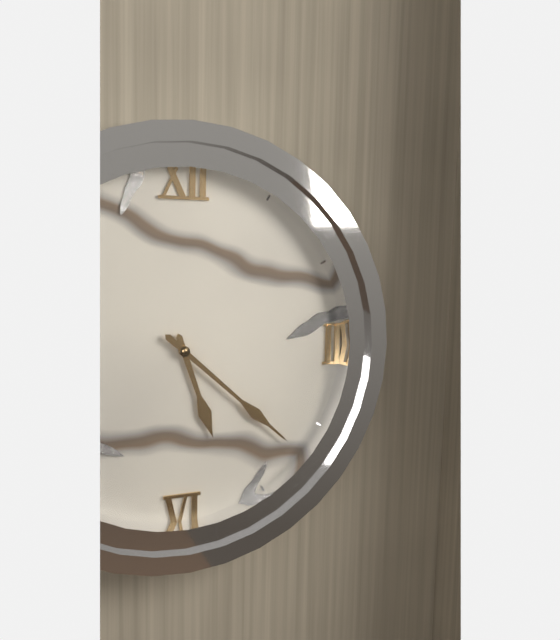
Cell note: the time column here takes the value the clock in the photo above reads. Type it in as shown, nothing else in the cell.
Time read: 5:22
